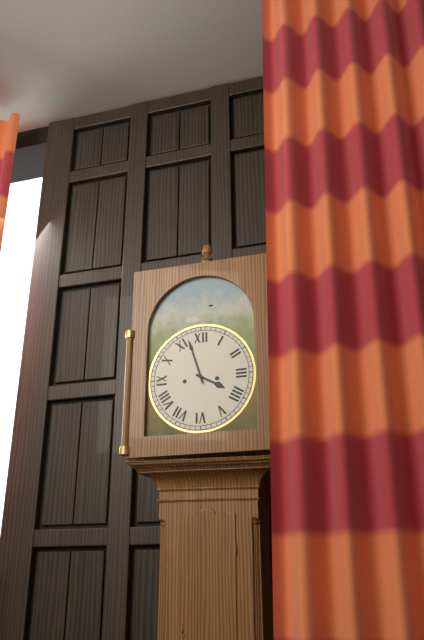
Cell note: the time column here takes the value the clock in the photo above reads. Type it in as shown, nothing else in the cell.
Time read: 3:57
